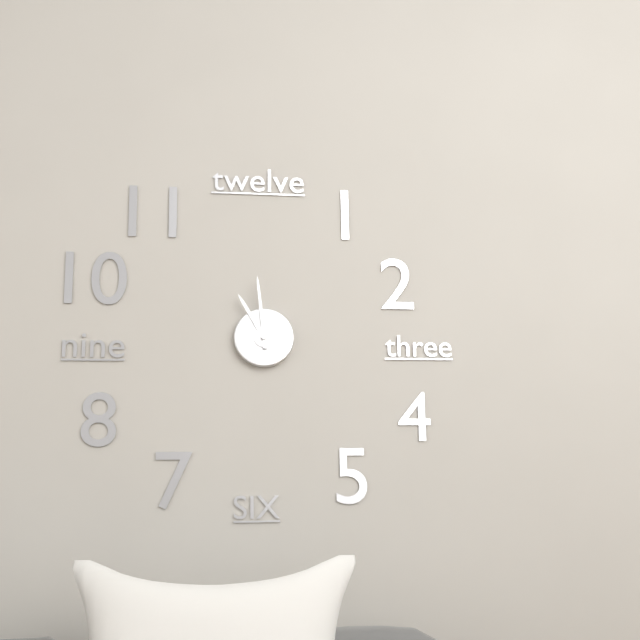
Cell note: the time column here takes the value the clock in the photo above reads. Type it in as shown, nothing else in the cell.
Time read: 10:59
